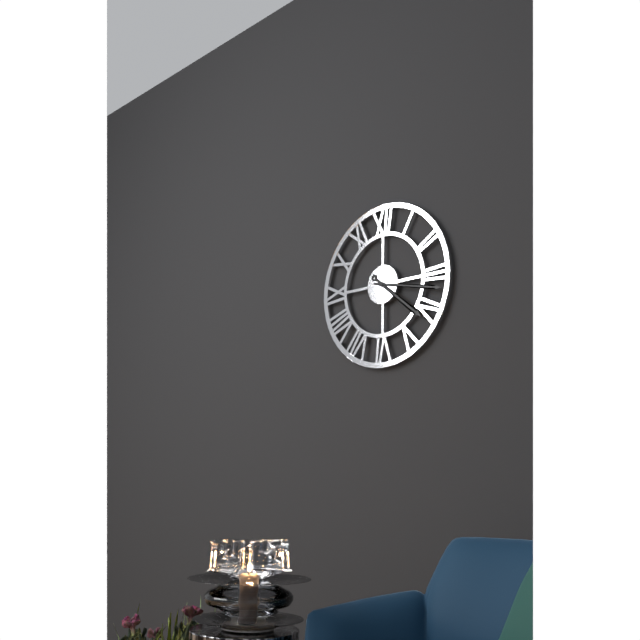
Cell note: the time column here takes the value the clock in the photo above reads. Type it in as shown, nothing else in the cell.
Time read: 4:17
